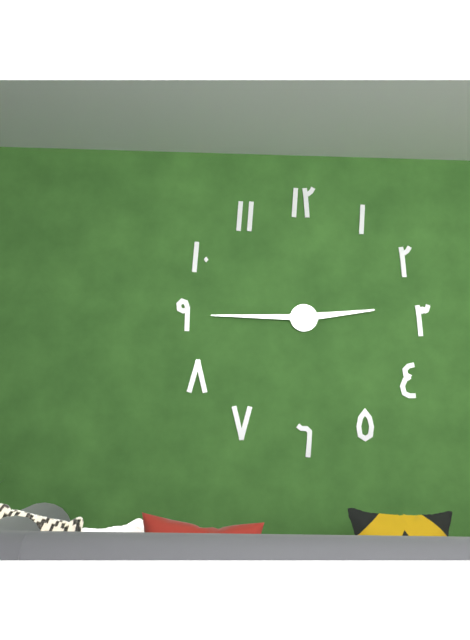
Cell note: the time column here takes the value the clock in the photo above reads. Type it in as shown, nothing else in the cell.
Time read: 2:45
